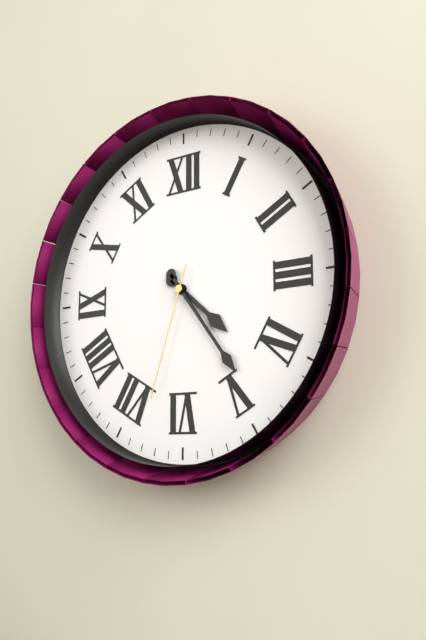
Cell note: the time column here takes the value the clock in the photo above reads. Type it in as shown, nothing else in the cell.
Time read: 4:24:33
